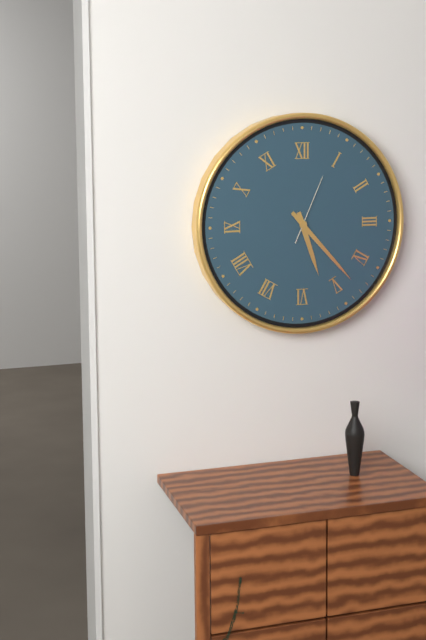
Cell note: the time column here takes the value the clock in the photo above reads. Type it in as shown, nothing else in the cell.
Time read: 5:23:04
